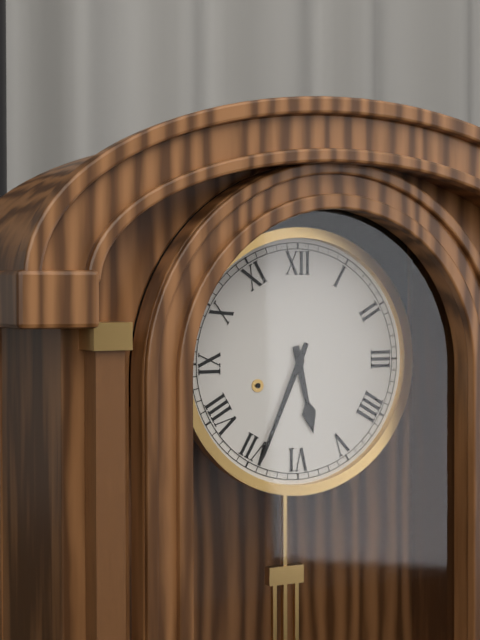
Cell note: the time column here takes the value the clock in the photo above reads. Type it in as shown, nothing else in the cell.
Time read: 5:34
